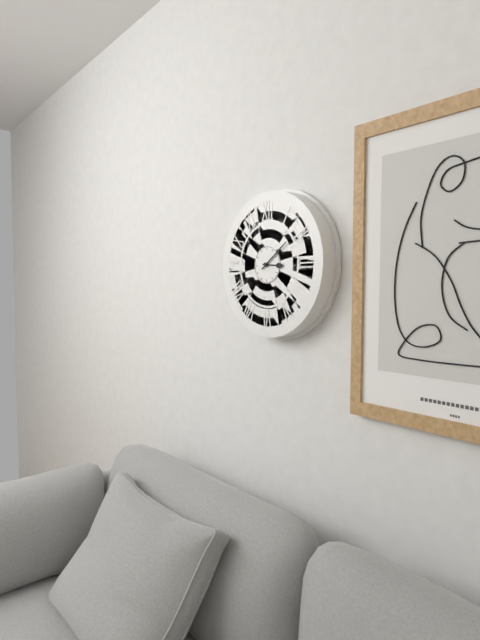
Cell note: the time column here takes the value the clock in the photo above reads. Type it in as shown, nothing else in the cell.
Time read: 3:09
